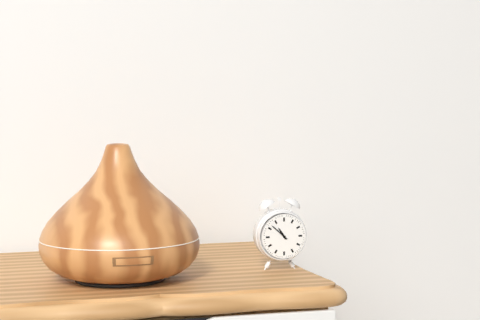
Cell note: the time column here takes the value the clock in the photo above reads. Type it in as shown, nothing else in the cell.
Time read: 10:52
